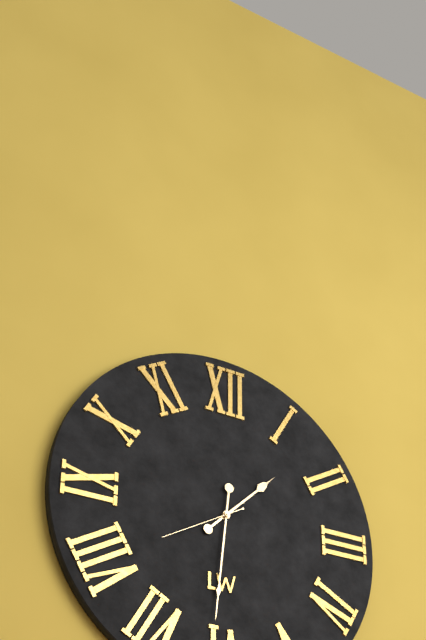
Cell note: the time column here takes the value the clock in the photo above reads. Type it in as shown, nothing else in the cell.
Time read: 1:31:40
